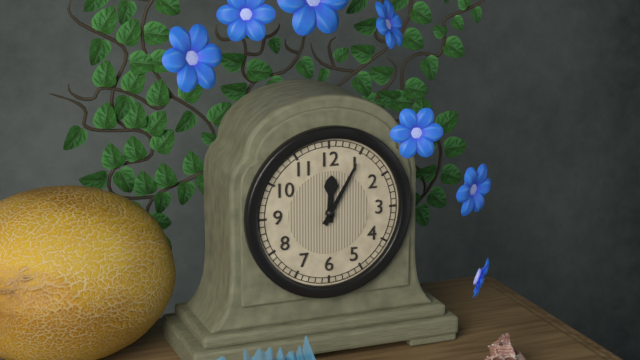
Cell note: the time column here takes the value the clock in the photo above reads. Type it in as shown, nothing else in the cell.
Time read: 12:05
